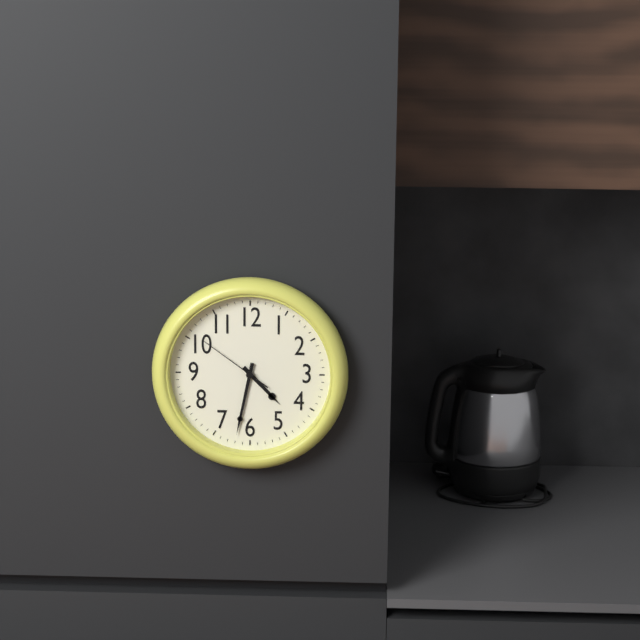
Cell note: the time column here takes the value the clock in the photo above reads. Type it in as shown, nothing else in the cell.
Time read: 4:32:51
